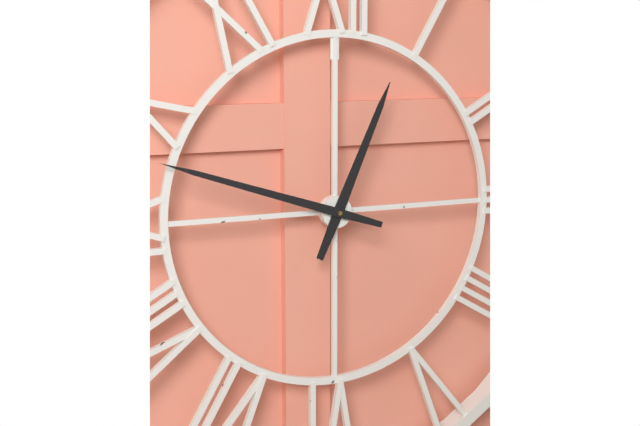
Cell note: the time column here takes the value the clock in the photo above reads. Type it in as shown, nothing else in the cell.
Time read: 12:48
